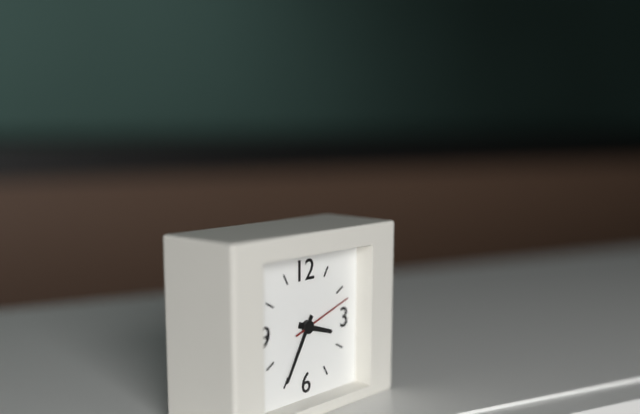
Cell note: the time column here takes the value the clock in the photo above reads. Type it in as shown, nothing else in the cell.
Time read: 3:35:12
